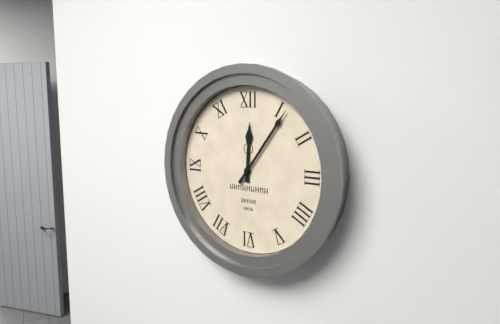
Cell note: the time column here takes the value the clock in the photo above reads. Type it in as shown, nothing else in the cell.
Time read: 12:06
